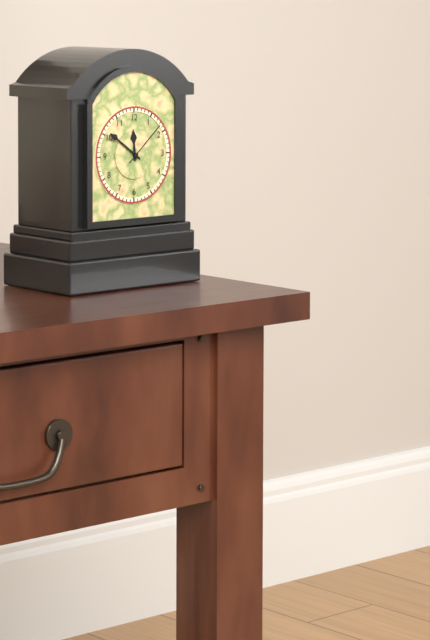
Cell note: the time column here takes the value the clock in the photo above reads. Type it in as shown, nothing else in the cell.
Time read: 11:51
